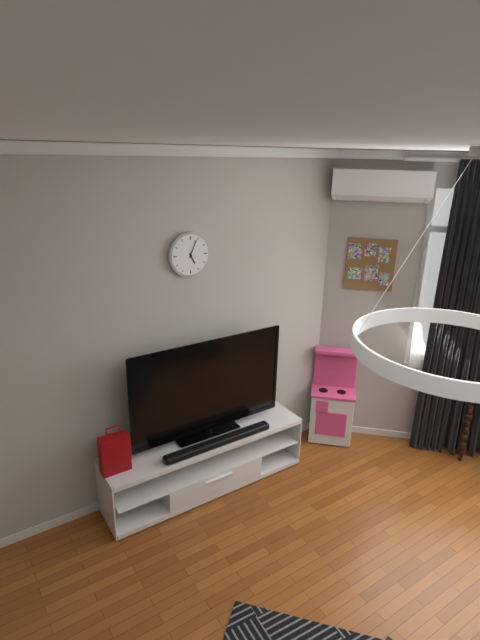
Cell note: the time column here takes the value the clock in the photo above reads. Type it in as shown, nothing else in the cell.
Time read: 5:04
